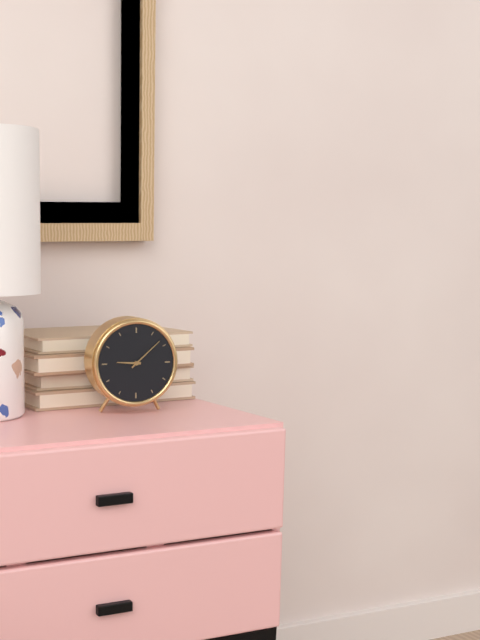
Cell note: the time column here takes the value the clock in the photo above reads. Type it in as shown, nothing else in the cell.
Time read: 9:08
